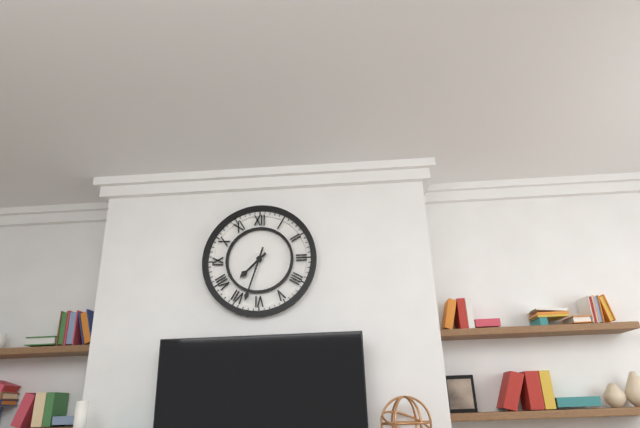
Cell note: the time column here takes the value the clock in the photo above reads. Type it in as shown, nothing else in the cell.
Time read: 7:33
